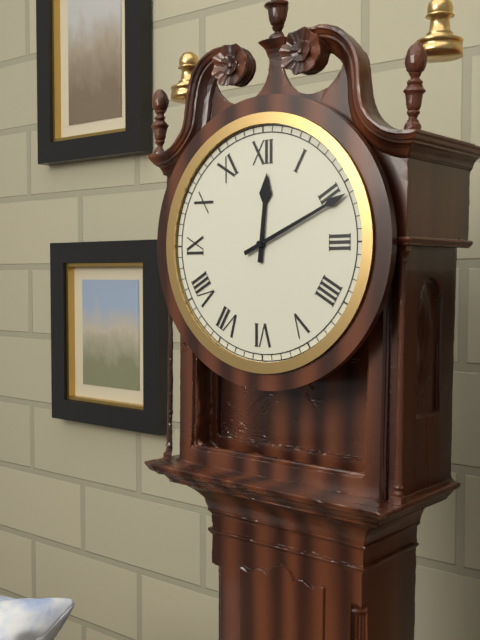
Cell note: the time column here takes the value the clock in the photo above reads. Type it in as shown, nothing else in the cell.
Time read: 12:11
